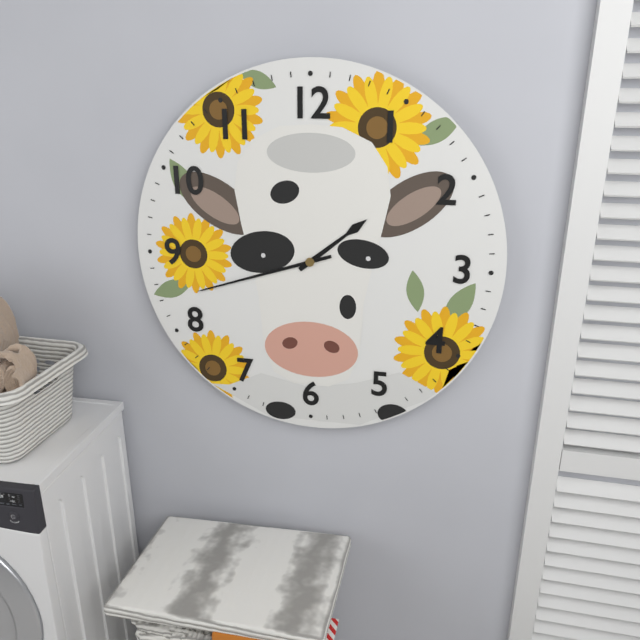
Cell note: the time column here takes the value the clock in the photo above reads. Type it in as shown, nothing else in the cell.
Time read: 1:42
